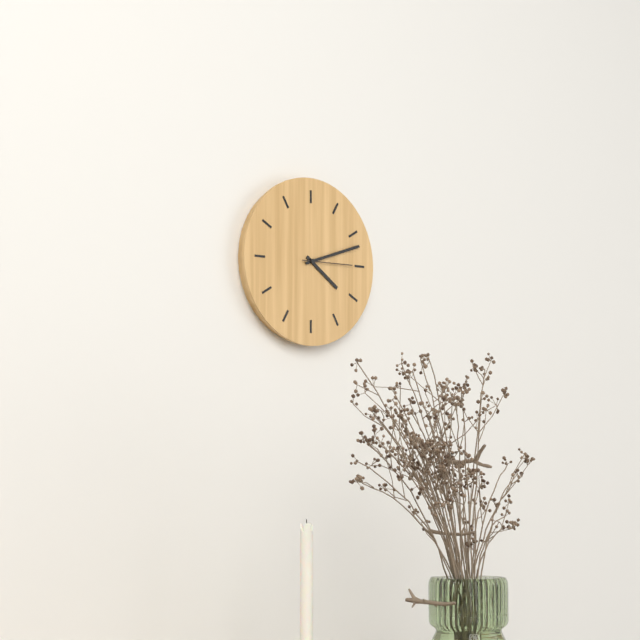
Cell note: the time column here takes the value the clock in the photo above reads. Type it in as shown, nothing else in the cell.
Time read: 4:12
